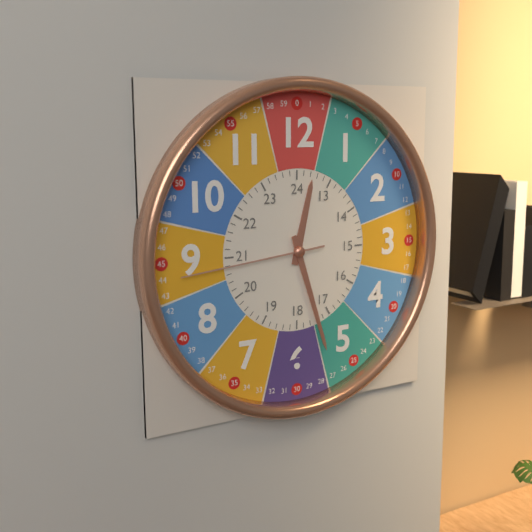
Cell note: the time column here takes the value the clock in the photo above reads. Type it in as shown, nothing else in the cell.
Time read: 12:27:44
